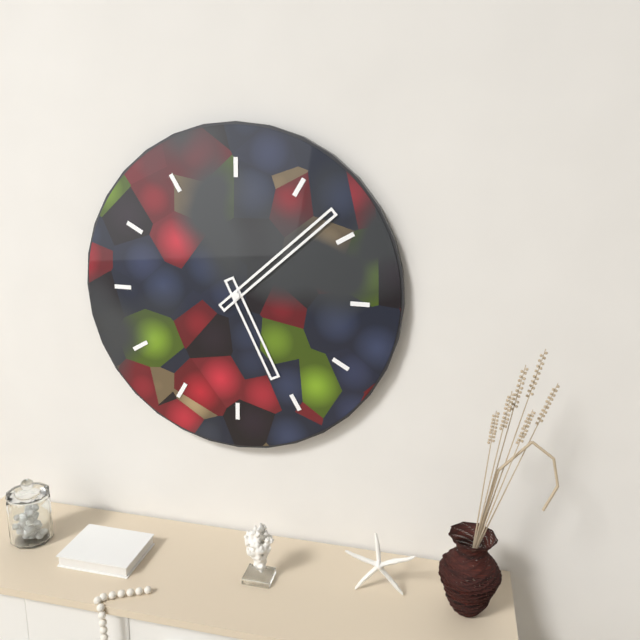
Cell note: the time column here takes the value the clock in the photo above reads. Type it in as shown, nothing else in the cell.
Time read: 5:08
